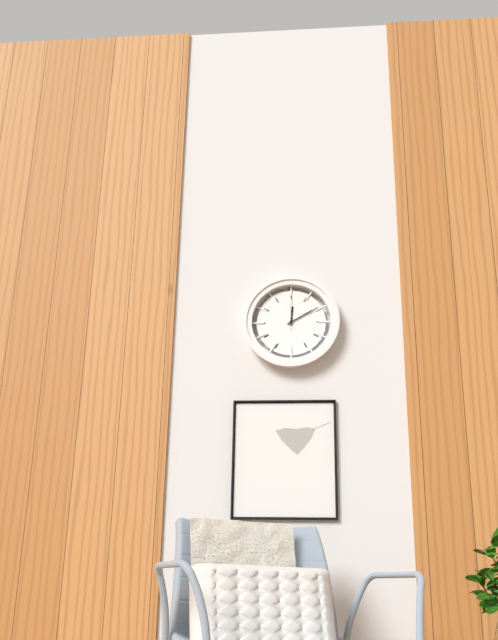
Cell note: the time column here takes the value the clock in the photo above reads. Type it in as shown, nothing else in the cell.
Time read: 12:10
